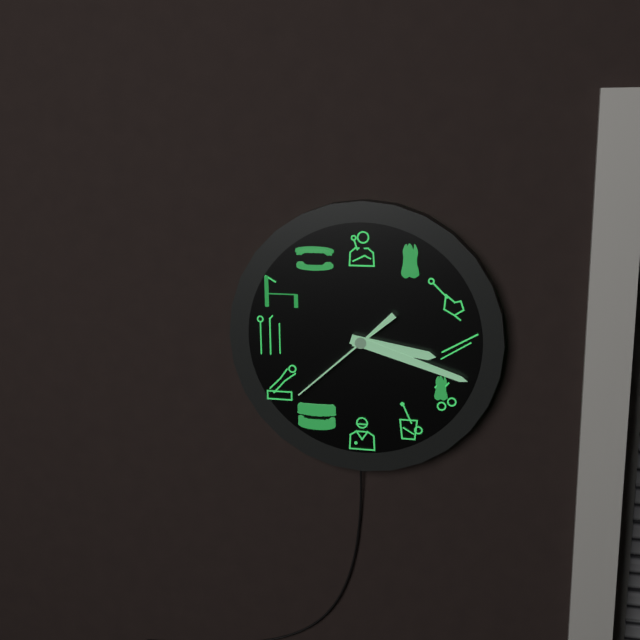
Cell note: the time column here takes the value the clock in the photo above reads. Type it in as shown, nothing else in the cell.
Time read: 3:18:38
